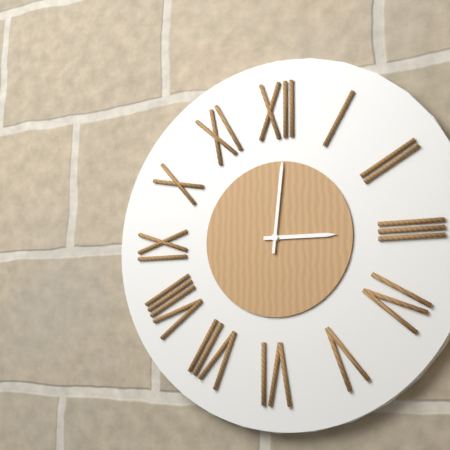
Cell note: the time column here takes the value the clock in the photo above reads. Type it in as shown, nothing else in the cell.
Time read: 3:01
